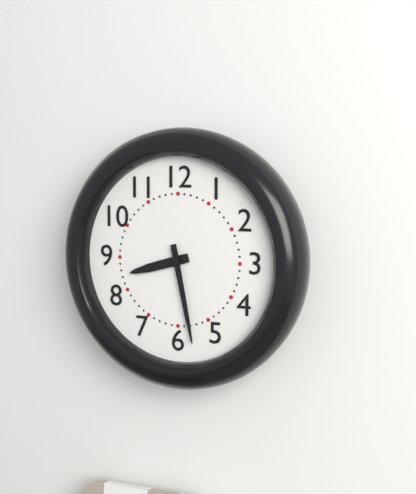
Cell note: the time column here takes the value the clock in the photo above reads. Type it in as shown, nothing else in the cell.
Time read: 8:28
